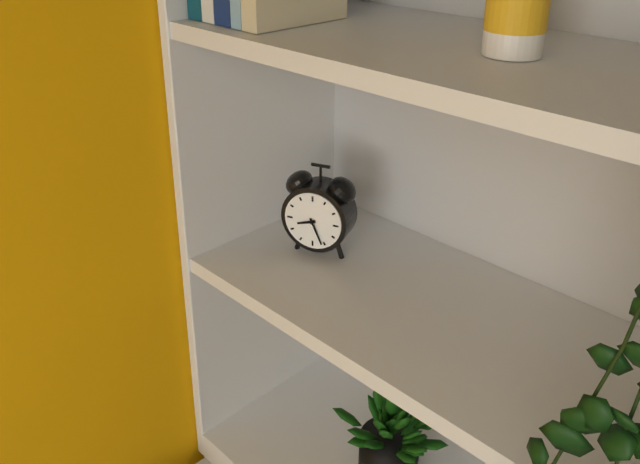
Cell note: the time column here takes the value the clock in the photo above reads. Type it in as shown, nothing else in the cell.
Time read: 8:26
